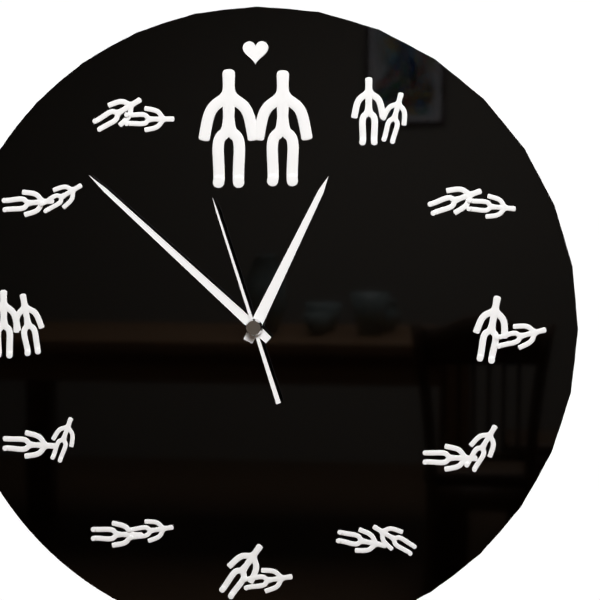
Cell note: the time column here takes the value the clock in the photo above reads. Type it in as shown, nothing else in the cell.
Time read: 12:52:57
